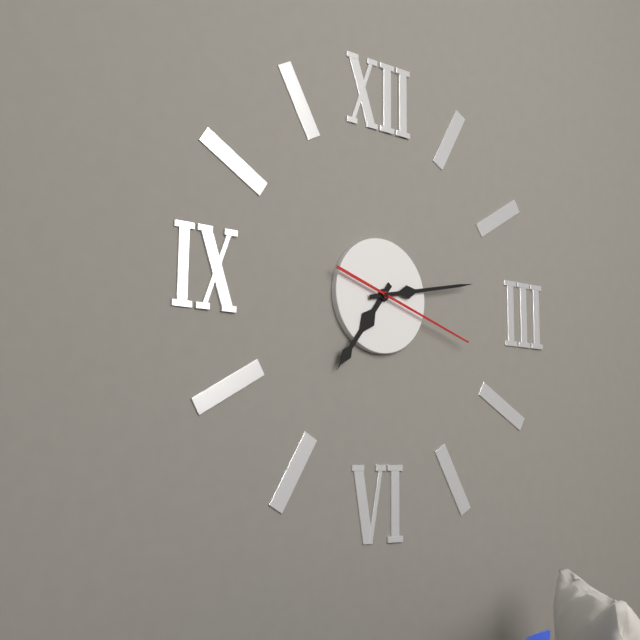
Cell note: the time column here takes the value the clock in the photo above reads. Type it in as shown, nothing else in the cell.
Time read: 7:13:18
